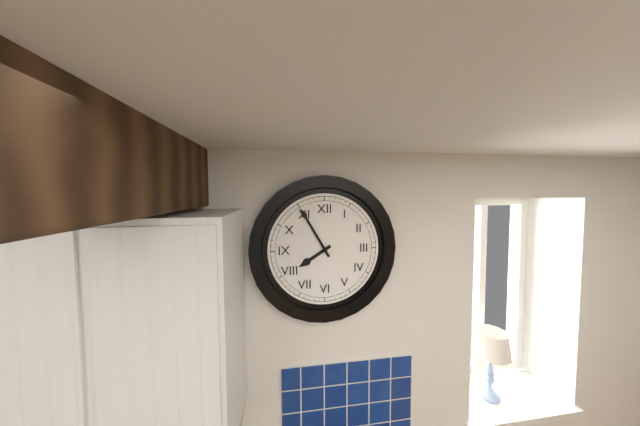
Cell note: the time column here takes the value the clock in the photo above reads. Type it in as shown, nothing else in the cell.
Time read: 7:55
